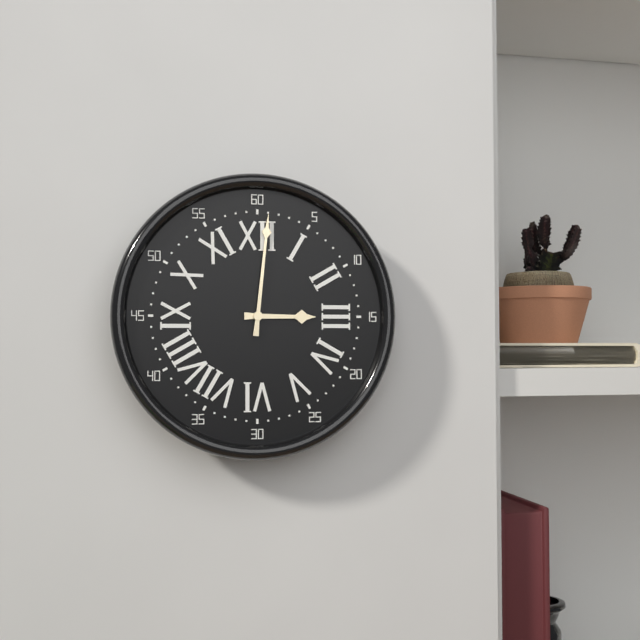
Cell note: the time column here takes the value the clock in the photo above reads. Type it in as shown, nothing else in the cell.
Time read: 3:01
